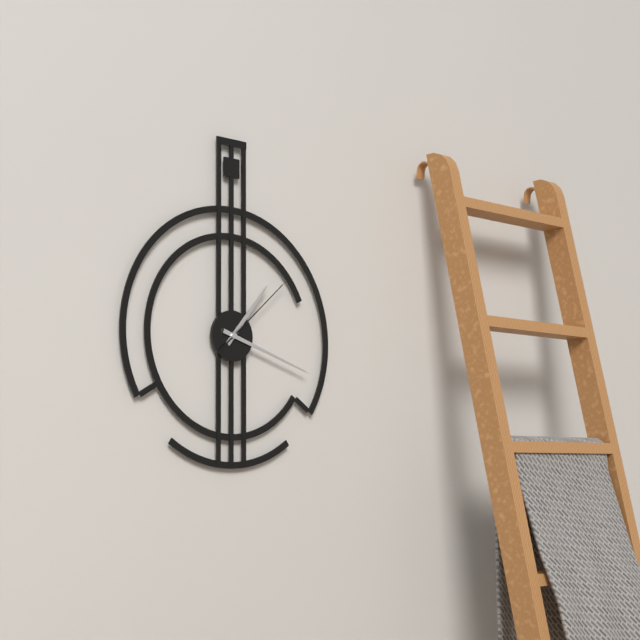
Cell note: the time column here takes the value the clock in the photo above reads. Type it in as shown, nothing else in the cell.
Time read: 1:18:08
